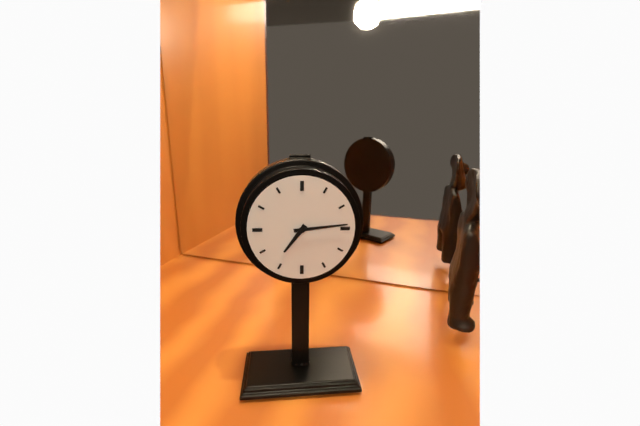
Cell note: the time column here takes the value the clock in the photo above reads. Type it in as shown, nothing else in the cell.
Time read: 7:14
